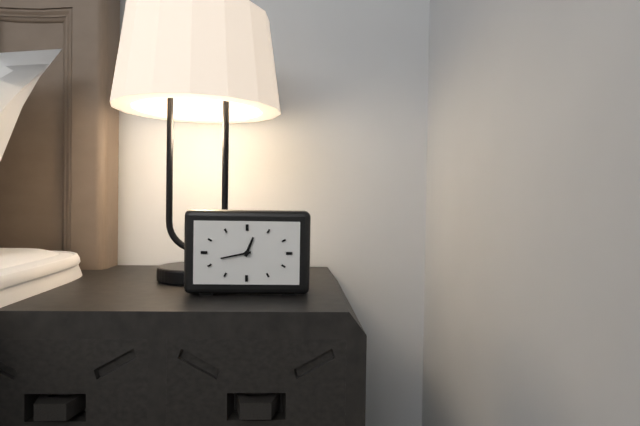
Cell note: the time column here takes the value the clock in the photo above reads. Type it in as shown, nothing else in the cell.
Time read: 12:43
